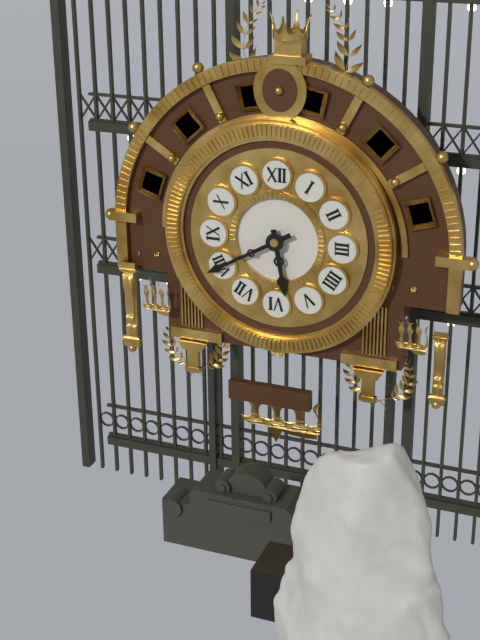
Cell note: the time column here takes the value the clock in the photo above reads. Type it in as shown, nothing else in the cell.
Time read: 5:40
